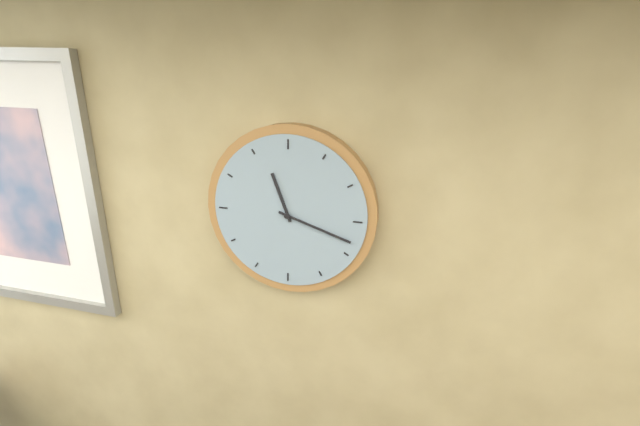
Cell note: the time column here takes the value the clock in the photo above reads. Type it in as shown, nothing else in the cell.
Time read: 11:18
